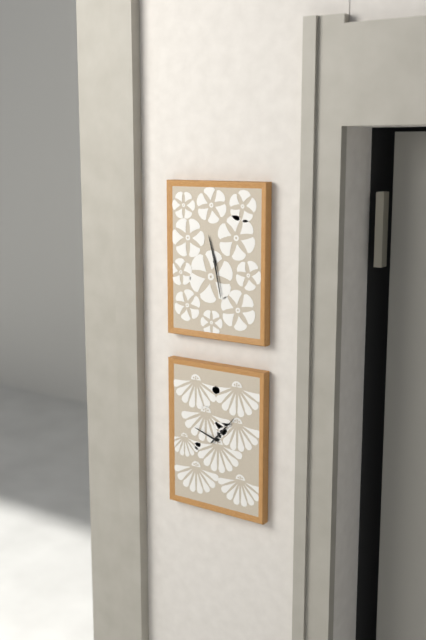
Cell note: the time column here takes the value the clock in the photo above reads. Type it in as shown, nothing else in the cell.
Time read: 11:28
